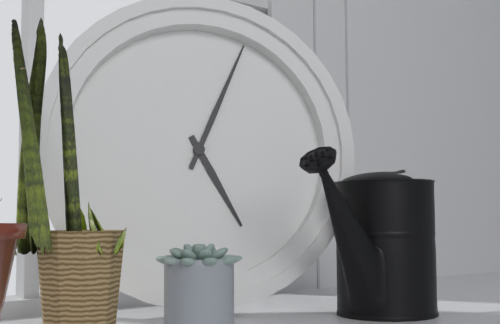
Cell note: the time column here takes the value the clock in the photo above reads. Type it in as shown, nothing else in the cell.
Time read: 5:04
